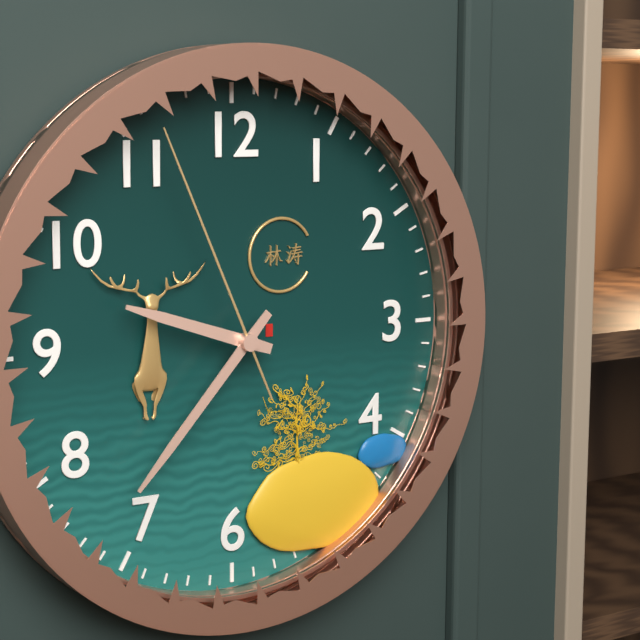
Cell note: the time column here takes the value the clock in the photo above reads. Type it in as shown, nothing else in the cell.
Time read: 9:37:56
